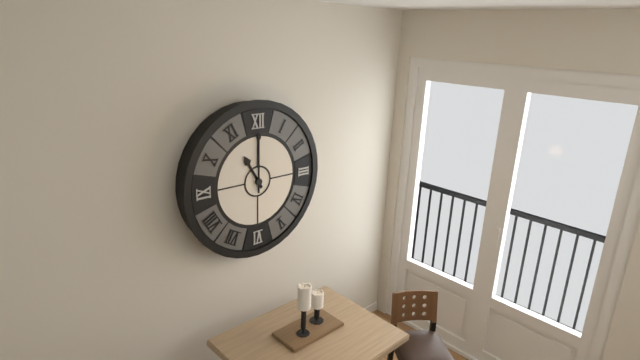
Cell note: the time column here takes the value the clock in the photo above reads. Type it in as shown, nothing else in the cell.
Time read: 11:00
